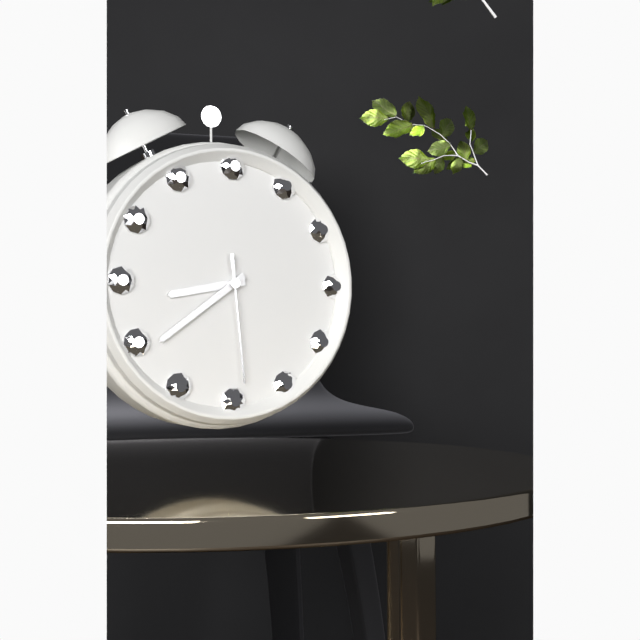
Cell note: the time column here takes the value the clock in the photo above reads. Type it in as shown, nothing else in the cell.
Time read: 8:39:29
